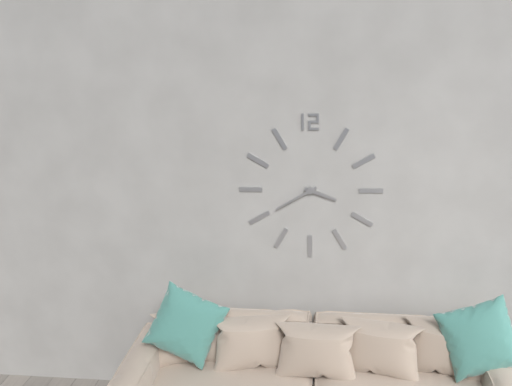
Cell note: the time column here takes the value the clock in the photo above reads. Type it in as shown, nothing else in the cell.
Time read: 3:40
